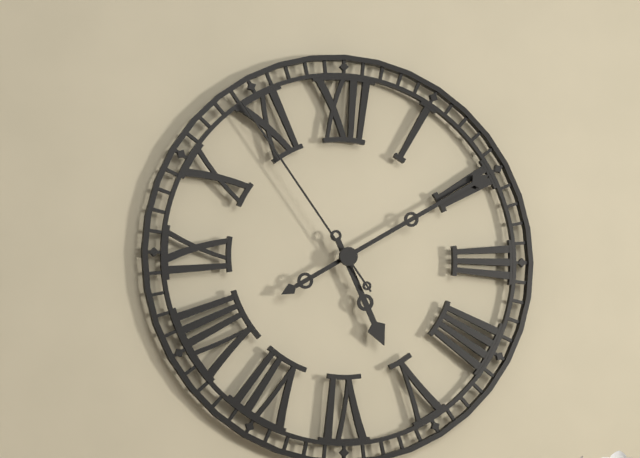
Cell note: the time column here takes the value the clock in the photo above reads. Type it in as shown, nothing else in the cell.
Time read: 5:10:54
